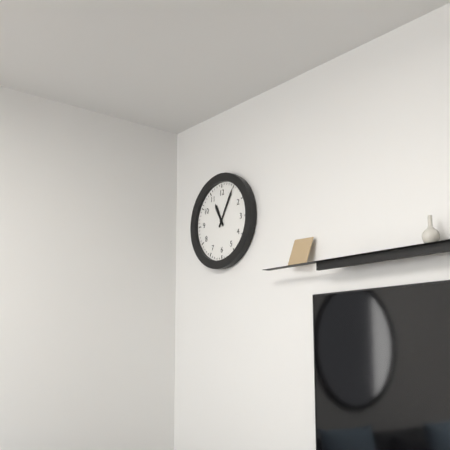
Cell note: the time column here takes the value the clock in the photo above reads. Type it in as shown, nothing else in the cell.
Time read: 11:05
